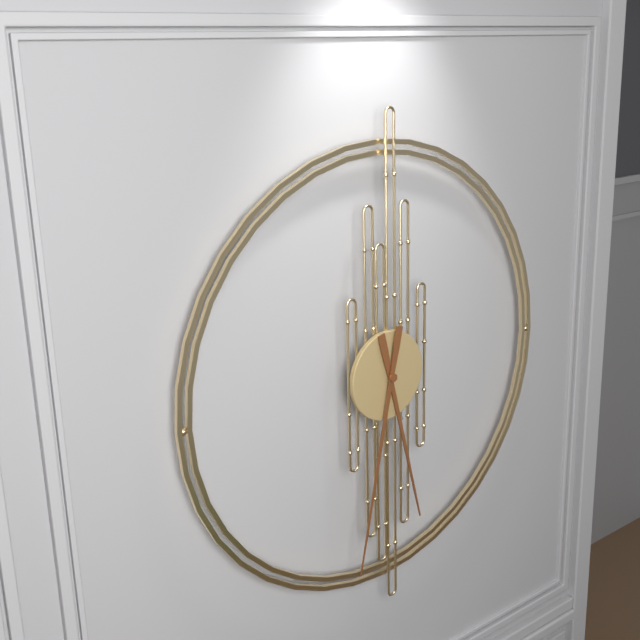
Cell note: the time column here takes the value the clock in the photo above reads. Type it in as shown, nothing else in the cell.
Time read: 5:32
